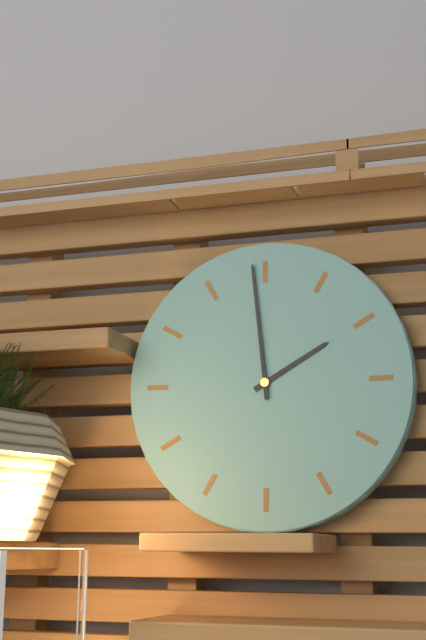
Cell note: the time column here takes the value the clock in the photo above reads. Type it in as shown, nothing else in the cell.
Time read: 1:59
